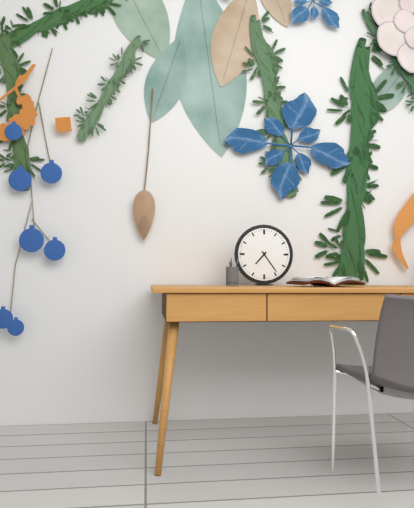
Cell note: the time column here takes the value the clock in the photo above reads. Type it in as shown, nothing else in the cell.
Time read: 7:24
